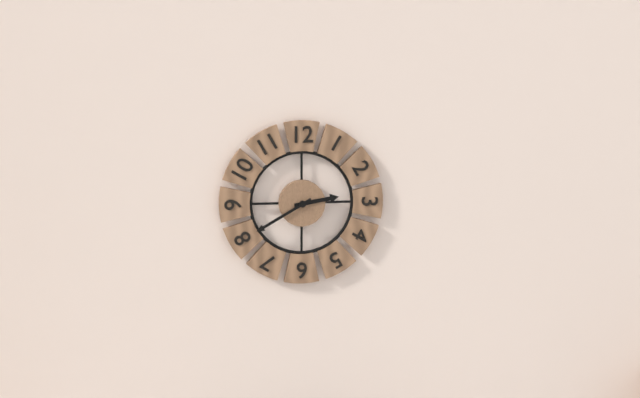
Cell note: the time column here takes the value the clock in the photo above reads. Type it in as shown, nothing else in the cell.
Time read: 2:40
